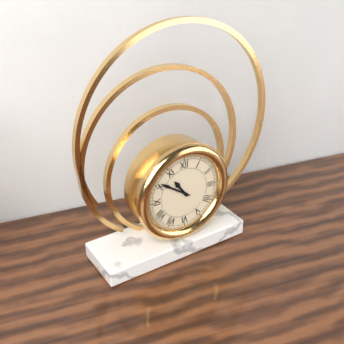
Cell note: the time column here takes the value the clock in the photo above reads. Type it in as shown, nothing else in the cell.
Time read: 10:51
